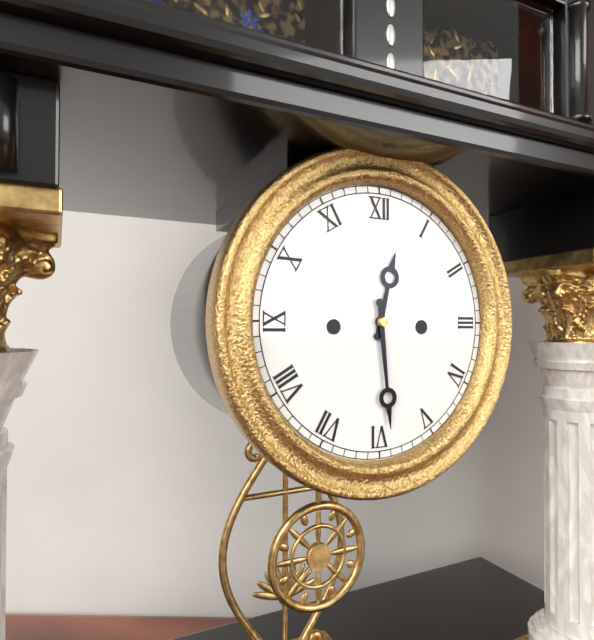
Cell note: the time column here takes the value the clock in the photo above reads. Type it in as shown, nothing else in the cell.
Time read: 12:29
